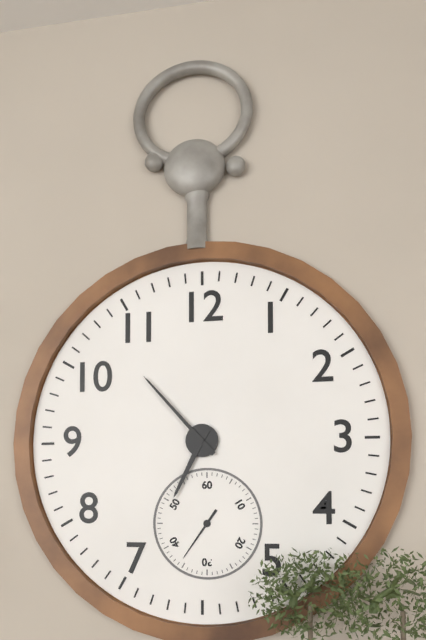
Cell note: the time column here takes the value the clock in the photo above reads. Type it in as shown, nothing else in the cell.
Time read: 6:53
